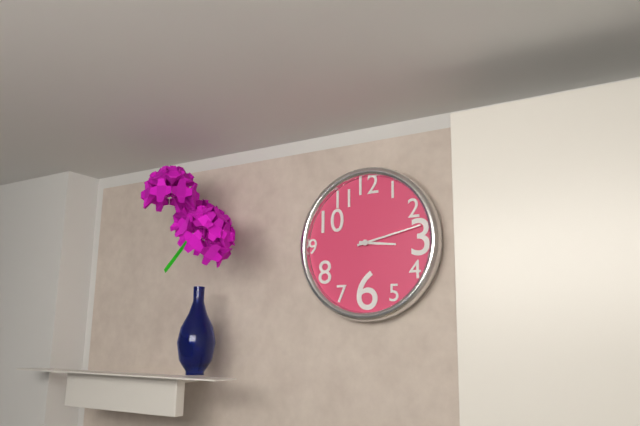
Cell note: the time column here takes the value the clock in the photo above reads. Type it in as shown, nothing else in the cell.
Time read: 3:13
